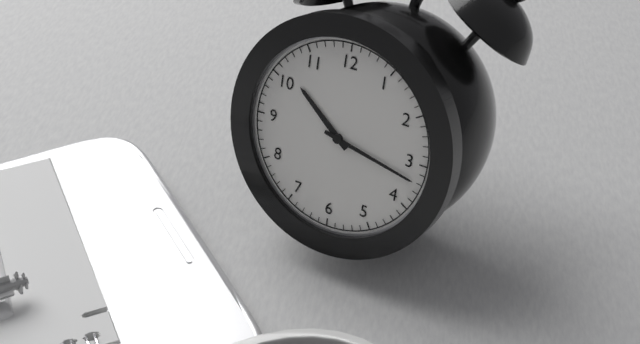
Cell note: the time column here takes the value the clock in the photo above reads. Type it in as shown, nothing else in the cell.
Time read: 10:17
